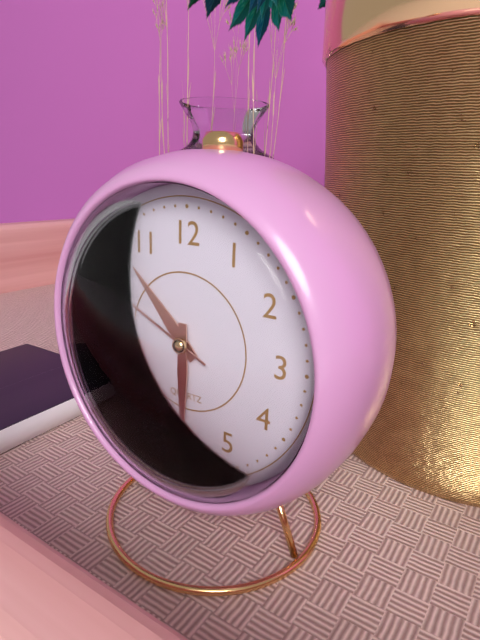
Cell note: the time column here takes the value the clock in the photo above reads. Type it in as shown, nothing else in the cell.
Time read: 10:30:49
